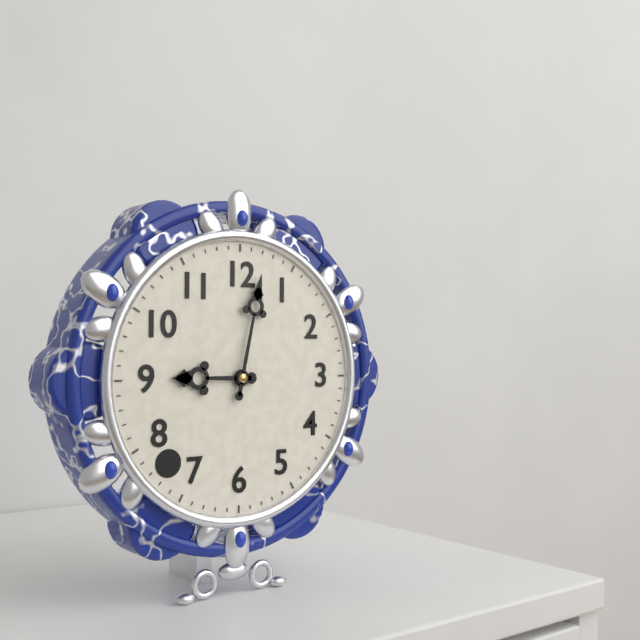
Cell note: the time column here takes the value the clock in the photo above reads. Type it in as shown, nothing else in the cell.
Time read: 9:02
